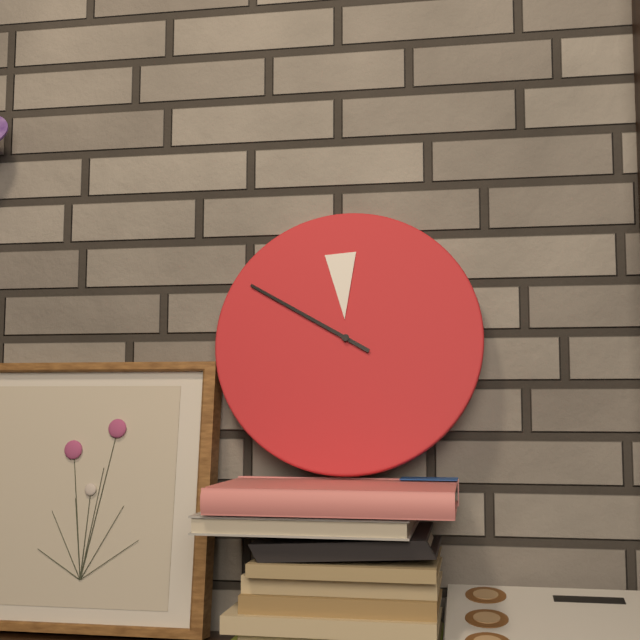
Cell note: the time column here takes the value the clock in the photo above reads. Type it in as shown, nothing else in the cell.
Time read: 11:50
